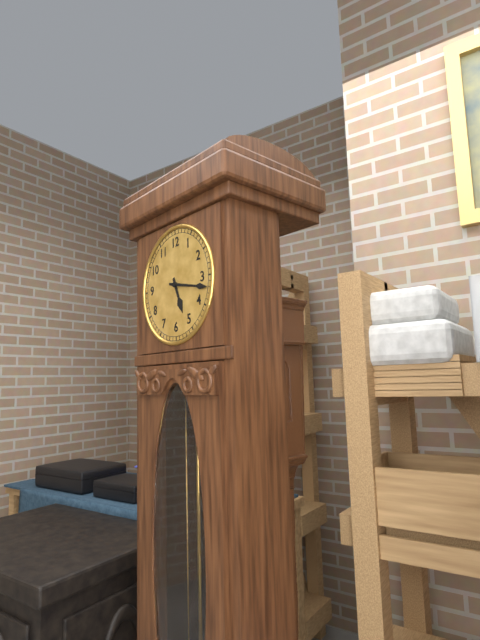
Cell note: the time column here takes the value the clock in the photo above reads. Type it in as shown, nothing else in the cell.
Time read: 5:17
